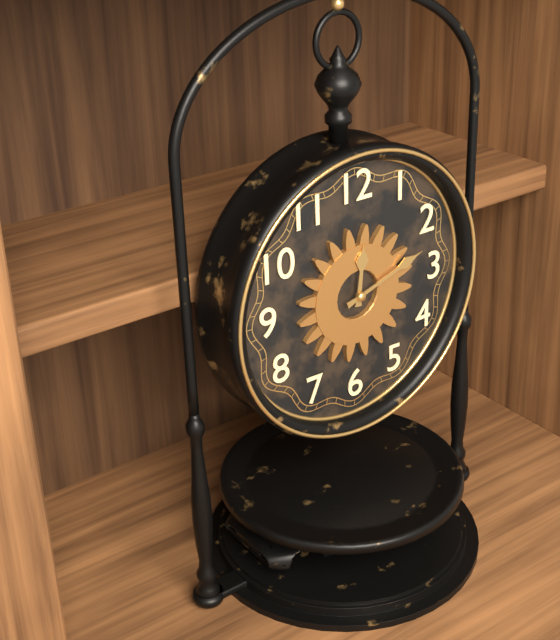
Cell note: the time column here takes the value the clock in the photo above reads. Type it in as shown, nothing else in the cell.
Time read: 12:12
